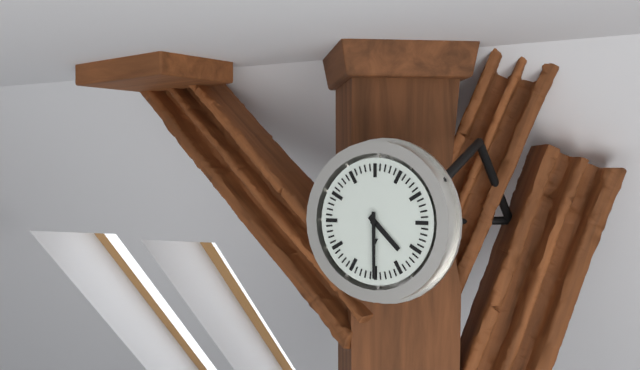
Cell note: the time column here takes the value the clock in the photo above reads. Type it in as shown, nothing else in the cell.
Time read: 4:30
